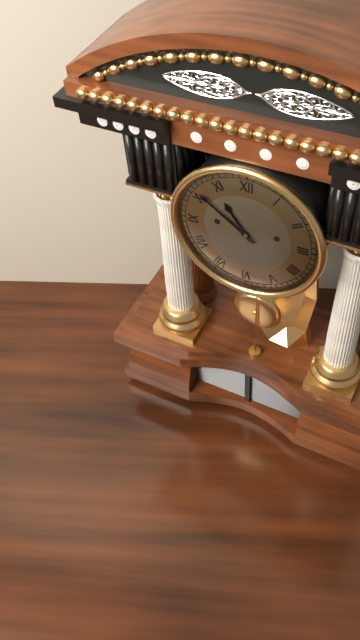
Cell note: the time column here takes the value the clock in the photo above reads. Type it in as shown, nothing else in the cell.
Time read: 10:51
